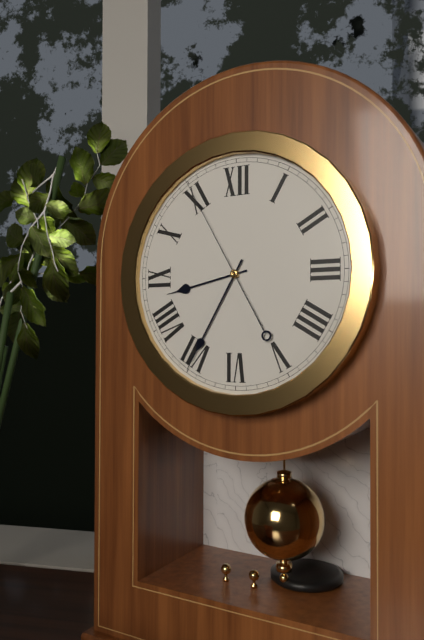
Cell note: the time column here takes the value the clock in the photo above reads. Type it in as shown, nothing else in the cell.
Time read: 8:35:55
